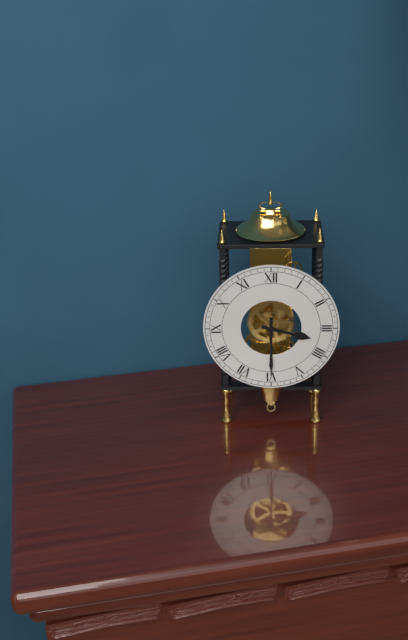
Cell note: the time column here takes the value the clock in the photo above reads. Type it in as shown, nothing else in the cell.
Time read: 3:30
